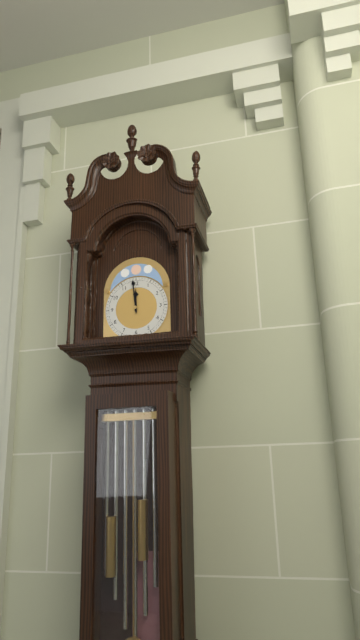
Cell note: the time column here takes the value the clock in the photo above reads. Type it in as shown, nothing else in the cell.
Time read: 11:59
